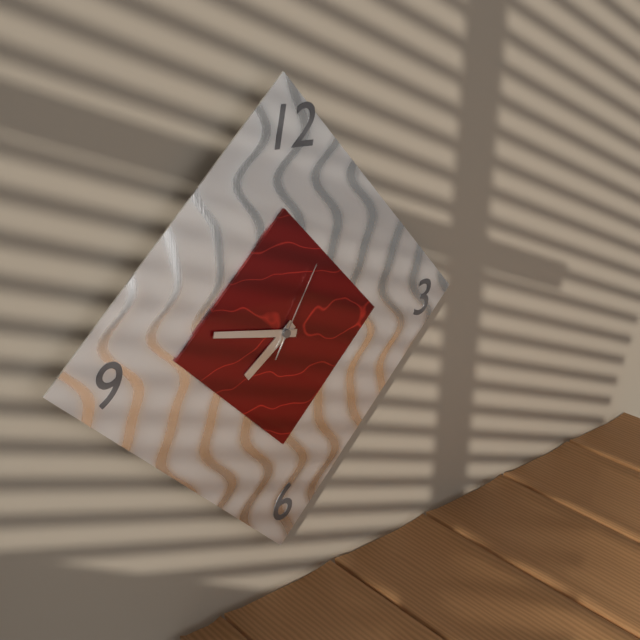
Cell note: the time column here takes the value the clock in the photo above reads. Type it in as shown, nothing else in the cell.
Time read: 7:47:05
